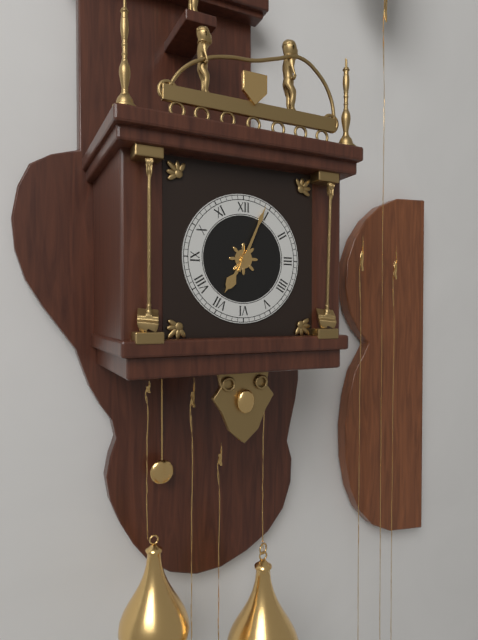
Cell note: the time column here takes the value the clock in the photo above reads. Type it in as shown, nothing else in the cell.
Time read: 7:04
